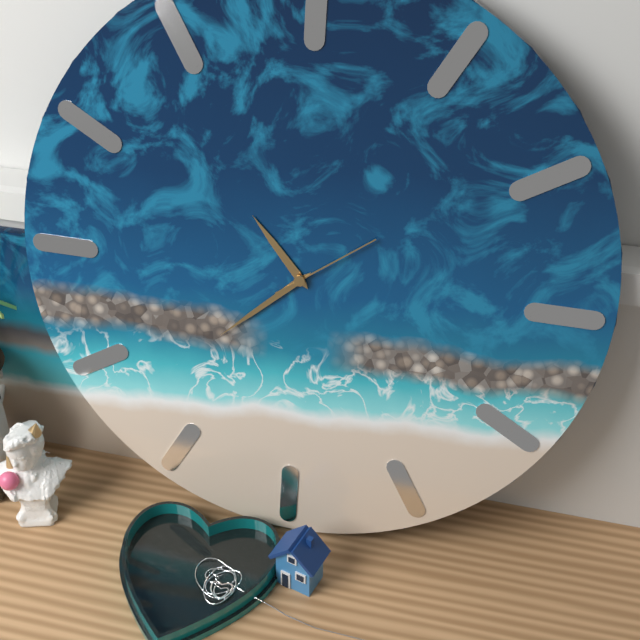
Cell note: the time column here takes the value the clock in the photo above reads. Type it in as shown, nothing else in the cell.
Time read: 10:38:09
